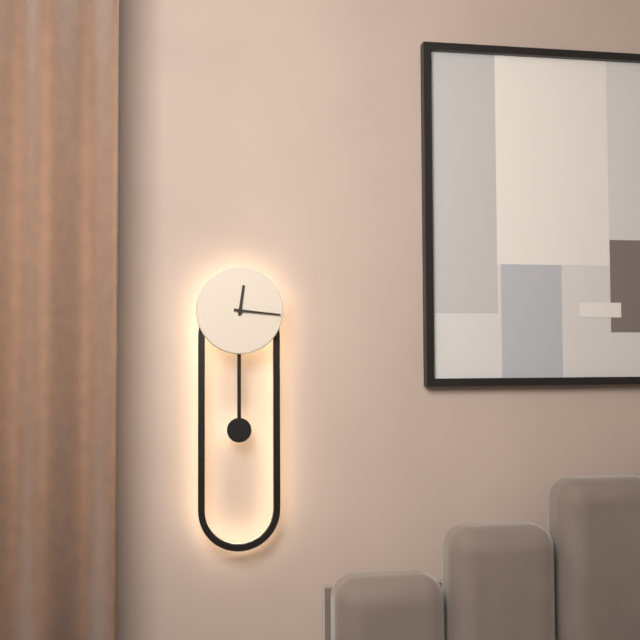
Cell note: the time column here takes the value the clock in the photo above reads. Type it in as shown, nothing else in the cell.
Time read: 12:16
